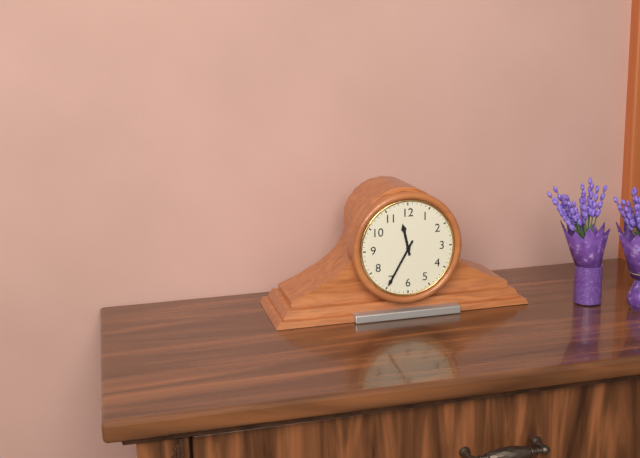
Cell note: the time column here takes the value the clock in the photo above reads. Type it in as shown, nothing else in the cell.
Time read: 11:35
